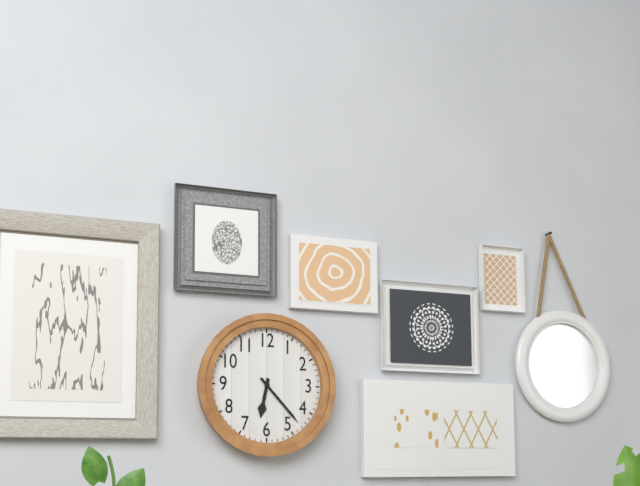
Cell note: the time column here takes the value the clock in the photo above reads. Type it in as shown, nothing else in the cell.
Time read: 6:23
